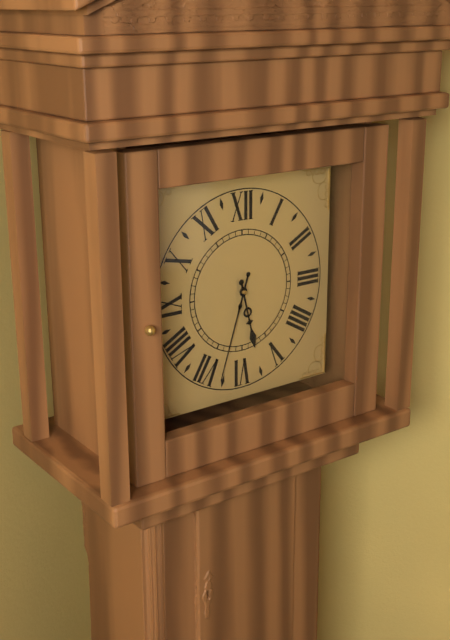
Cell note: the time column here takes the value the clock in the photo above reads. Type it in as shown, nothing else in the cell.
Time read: 5:33
